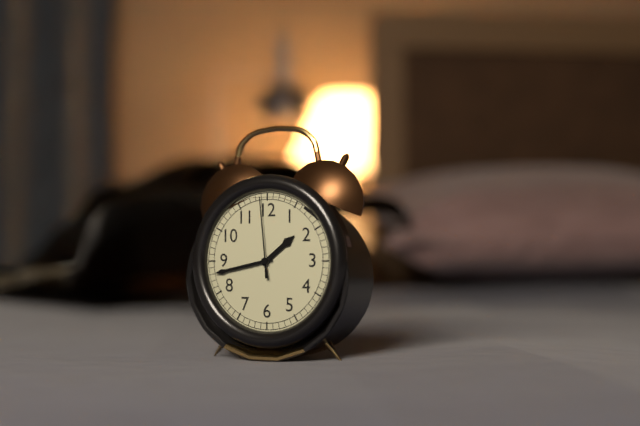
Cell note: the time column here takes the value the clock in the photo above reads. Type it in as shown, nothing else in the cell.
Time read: 1:43:59
